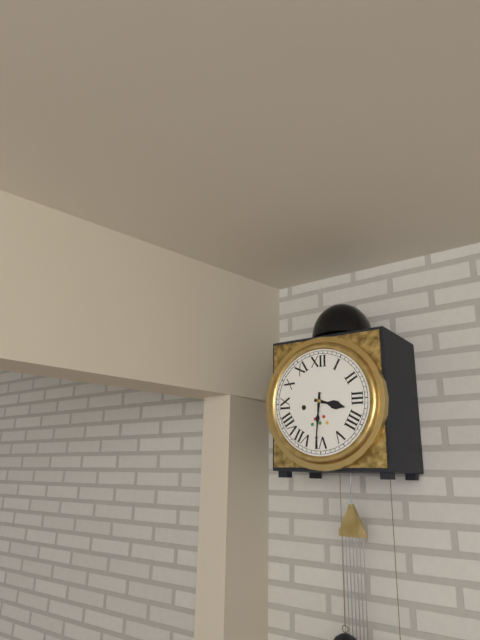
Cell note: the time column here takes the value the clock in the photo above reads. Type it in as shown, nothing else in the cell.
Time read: 3:31
